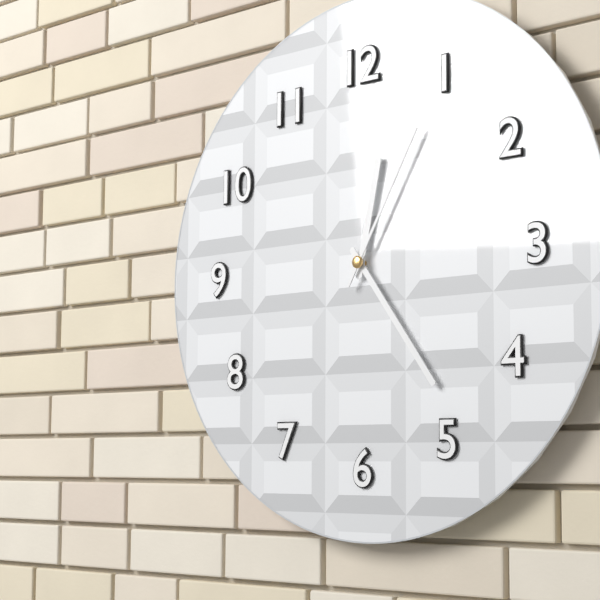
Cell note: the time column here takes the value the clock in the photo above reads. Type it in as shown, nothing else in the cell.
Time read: 12:24:05
